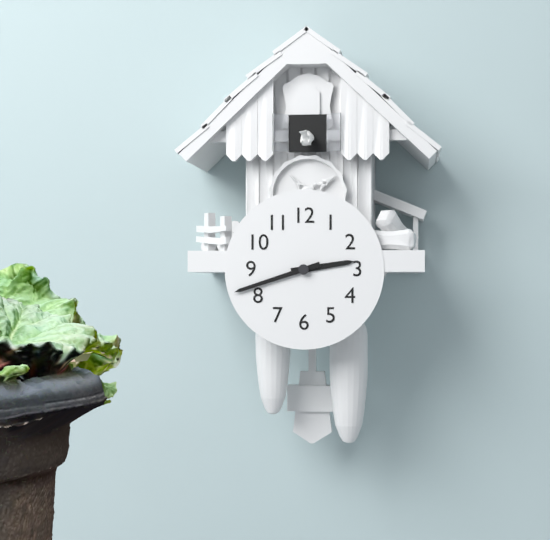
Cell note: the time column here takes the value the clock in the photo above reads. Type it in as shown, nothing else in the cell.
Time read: 2:42
